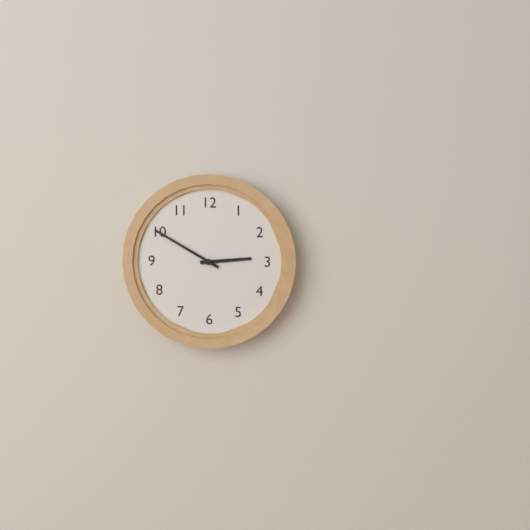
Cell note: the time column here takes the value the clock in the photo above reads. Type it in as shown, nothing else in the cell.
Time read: 2:50
